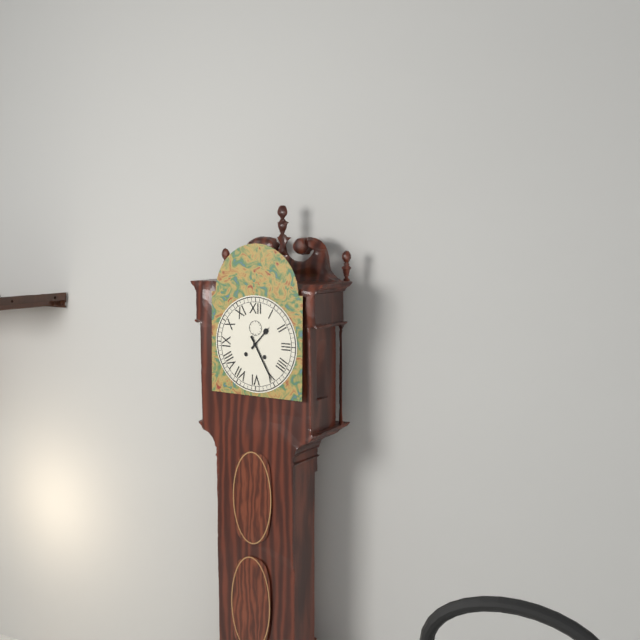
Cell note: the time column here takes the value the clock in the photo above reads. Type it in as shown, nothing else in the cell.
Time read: 1:25
